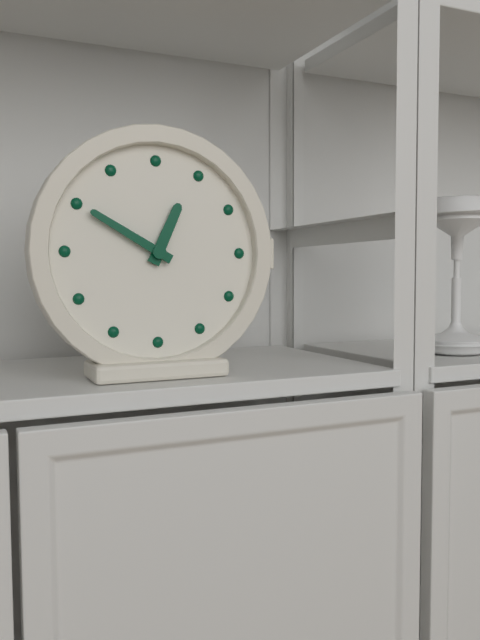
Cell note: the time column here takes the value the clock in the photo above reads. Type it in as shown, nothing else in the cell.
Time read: 12:50
